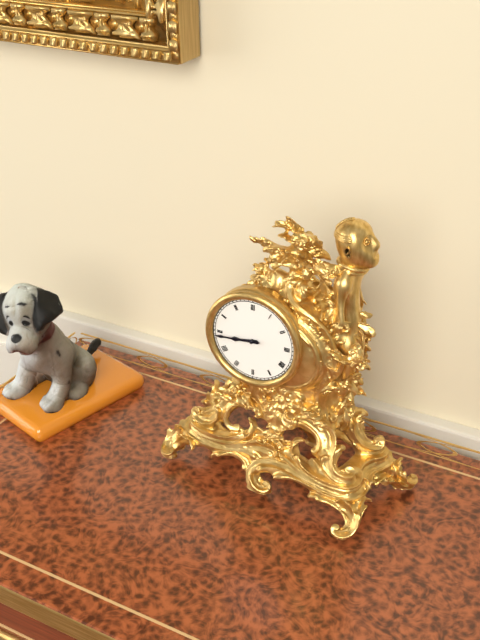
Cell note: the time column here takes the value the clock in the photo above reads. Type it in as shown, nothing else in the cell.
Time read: 8:44
